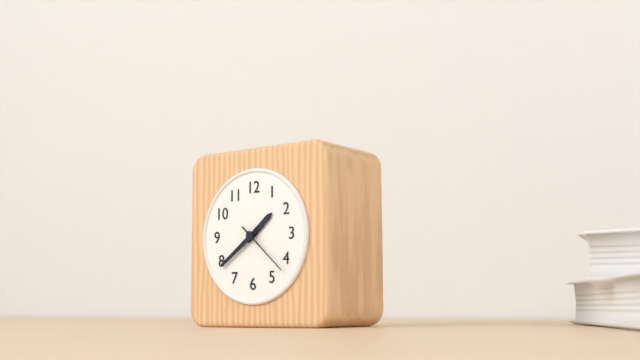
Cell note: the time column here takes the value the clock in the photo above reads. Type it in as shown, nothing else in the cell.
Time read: 1:39:22
